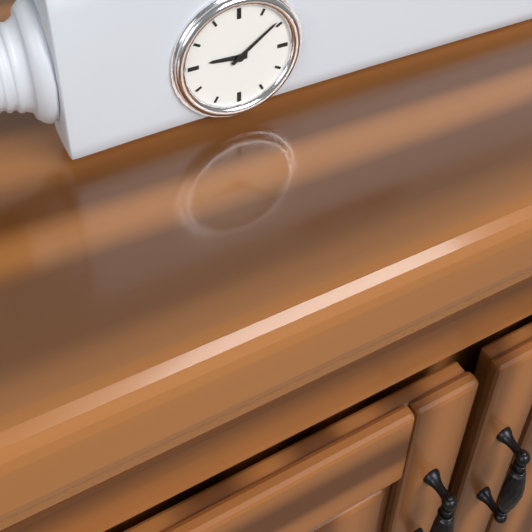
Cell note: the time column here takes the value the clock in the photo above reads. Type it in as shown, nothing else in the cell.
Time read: 9:09
